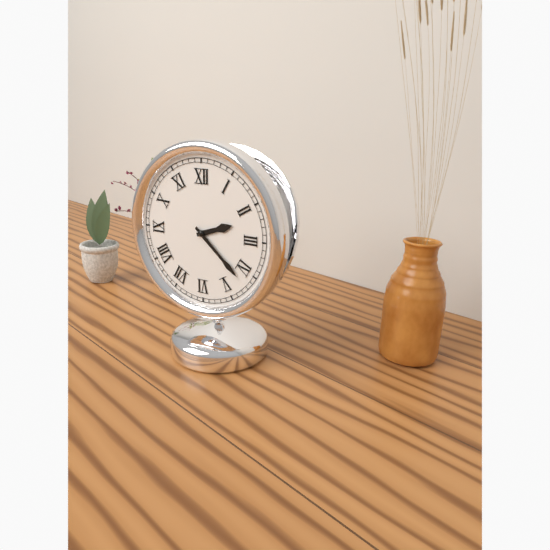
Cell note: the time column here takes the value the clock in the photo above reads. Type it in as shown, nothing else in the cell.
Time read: 2:22
